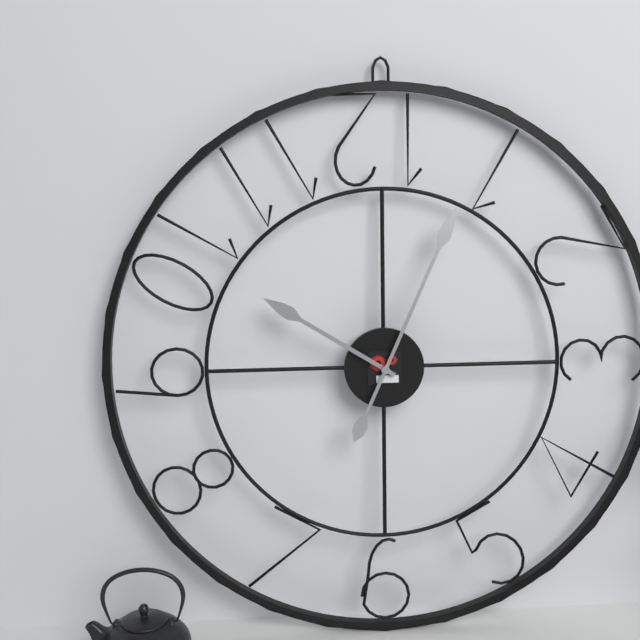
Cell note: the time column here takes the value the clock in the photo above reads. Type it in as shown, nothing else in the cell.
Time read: 10:04
